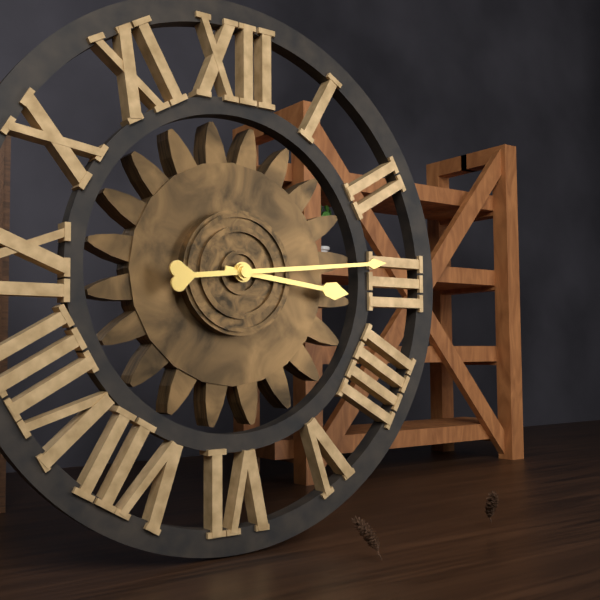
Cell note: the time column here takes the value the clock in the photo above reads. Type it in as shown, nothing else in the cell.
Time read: 3:14
